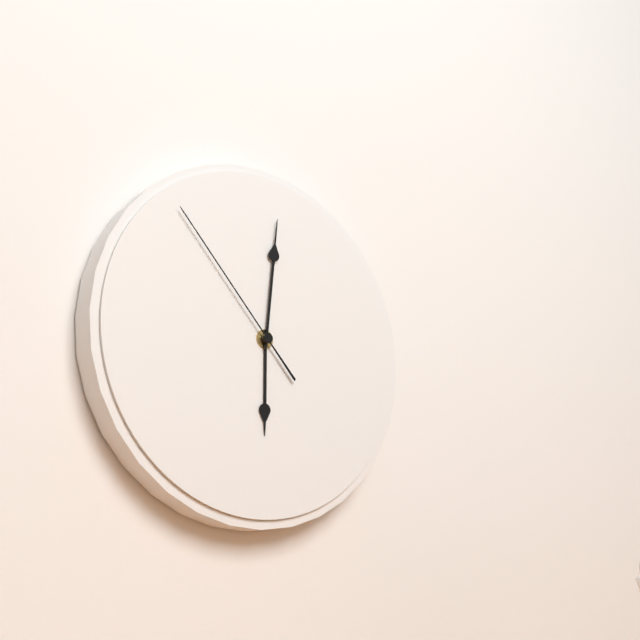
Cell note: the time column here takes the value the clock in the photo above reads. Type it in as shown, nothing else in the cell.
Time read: 6:01:53
